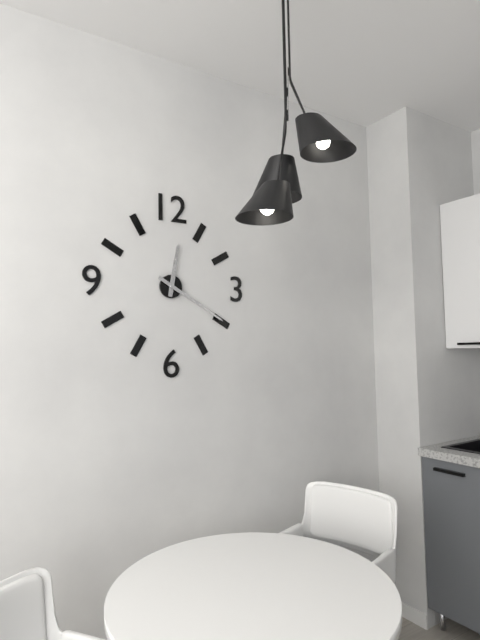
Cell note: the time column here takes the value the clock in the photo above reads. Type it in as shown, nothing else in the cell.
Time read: 12:20
